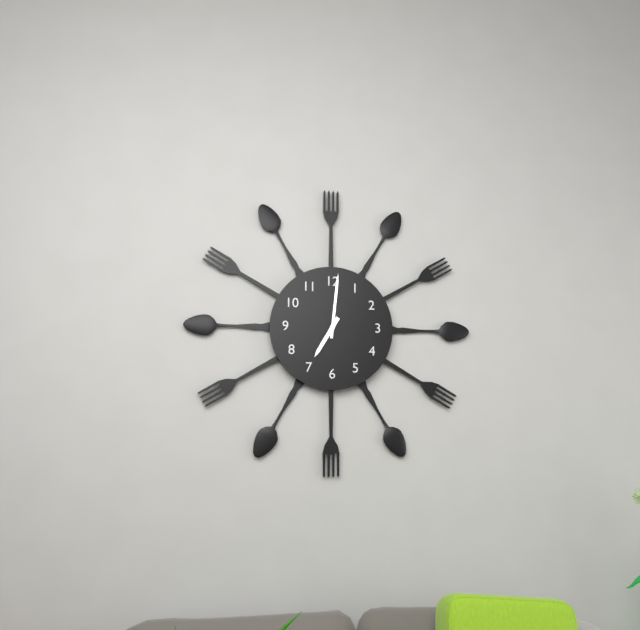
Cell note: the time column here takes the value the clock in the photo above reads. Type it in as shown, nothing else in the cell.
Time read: 7:01
